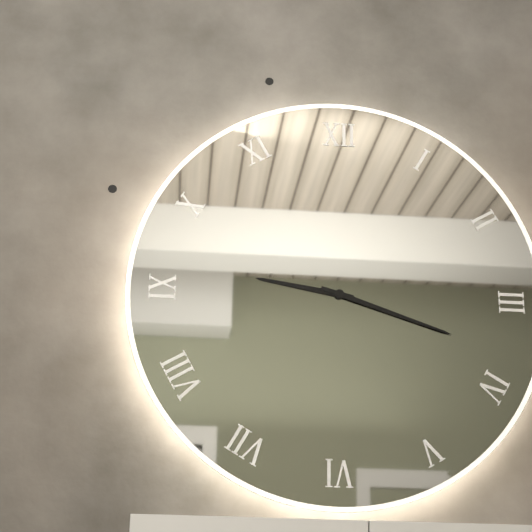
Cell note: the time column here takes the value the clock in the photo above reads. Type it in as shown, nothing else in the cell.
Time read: 9:18
